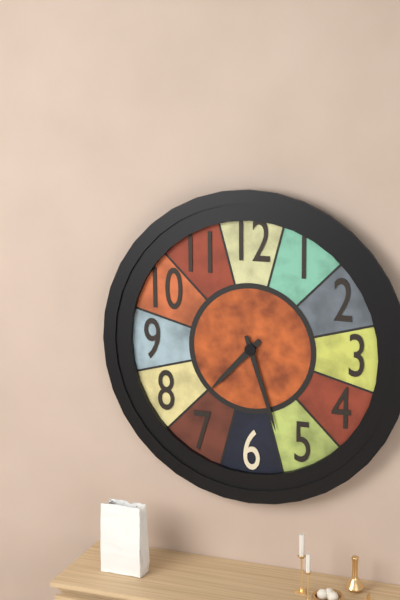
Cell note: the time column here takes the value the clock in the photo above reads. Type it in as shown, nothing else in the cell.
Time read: 7:27
